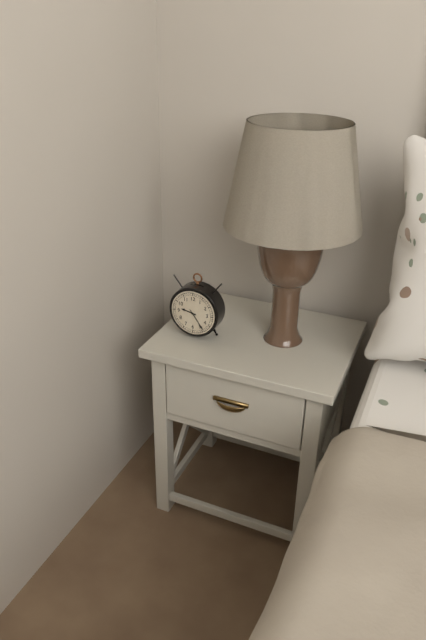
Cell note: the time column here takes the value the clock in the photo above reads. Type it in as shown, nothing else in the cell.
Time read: 9:24
